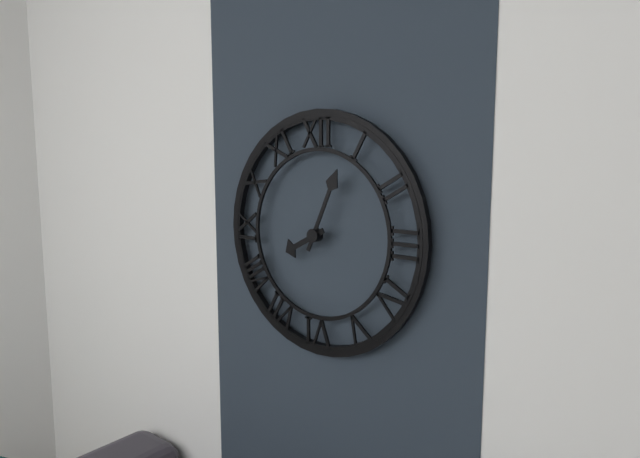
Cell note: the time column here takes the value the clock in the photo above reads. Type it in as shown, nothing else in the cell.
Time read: 8:04
